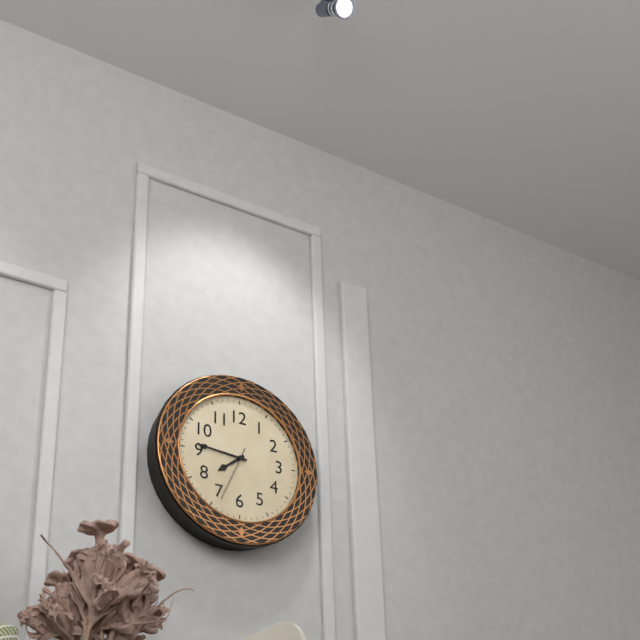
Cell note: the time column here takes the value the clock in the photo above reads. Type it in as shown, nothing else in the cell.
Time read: 7:46:34
